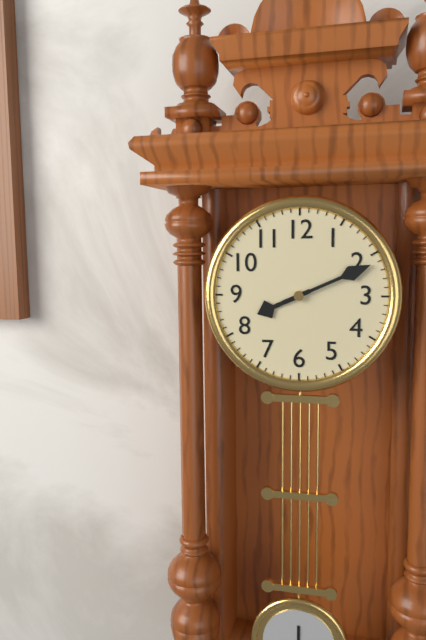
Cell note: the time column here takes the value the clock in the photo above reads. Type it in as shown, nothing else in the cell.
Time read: 8:11
